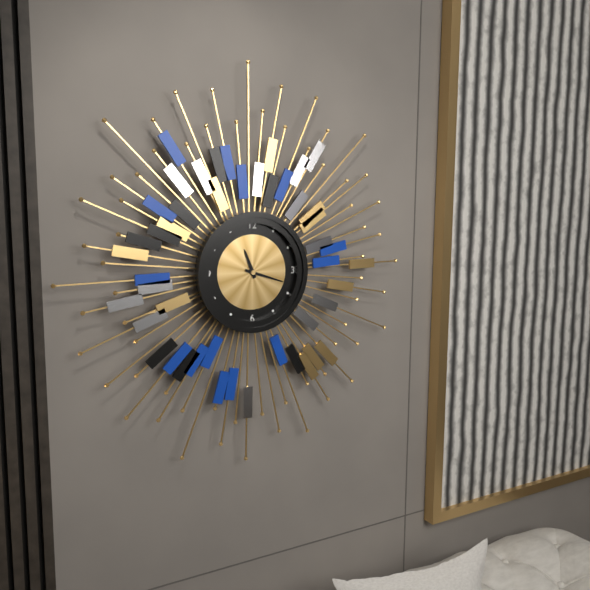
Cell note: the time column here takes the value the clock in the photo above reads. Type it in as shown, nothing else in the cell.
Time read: 11:18
